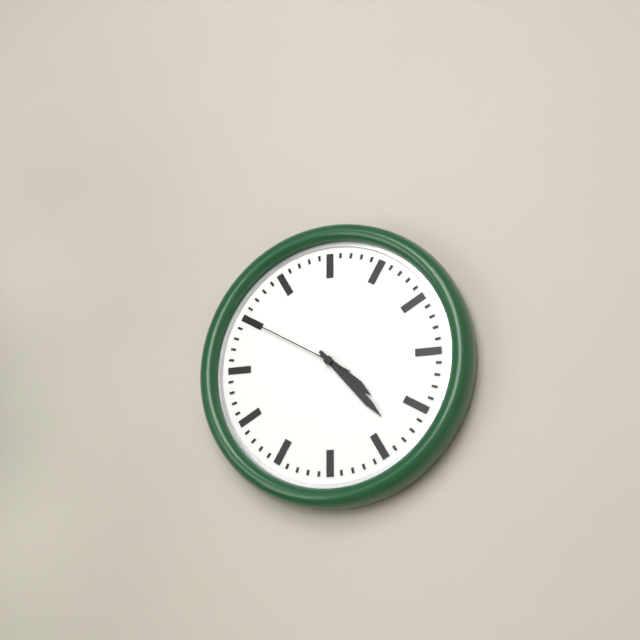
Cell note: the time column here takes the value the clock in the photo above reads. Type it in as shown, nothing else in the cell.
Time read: 4:23:50
